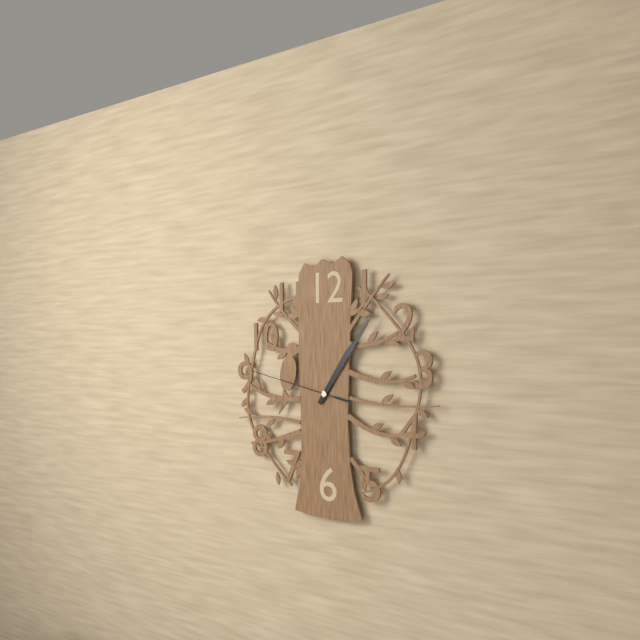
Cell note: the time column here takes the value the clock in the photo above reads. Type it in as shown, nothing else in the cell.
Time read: 1:06:47
